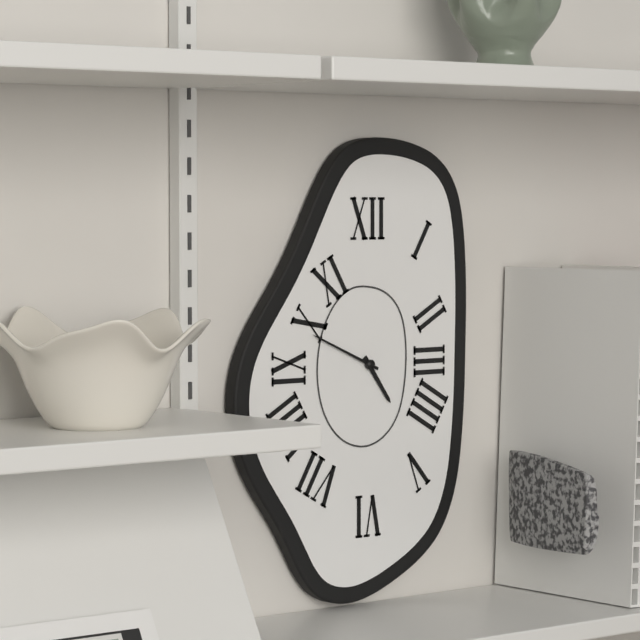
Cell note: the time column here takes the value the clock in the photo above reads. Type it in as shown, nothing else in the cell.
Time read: 4:49
